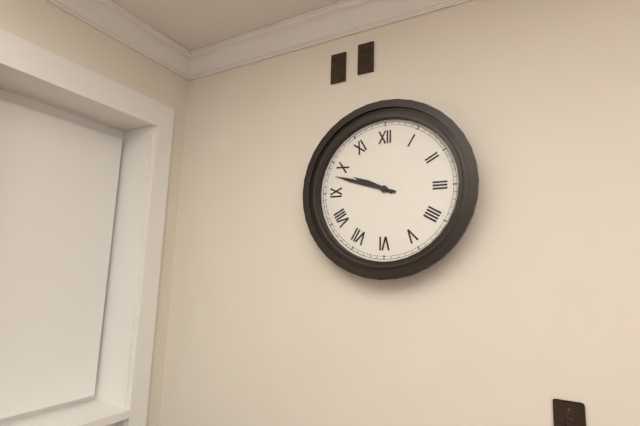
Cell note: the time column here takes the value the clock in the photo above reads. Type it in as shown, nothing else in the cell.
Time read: 9:48
